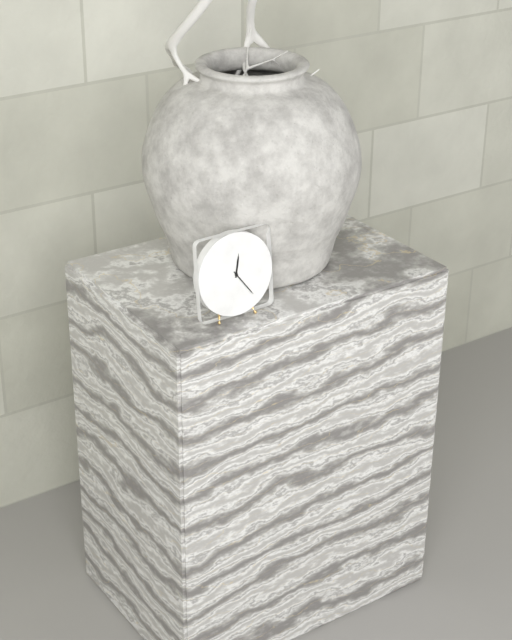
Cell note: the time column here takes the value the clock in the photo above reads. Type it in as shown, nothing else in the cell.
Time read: 12:24
